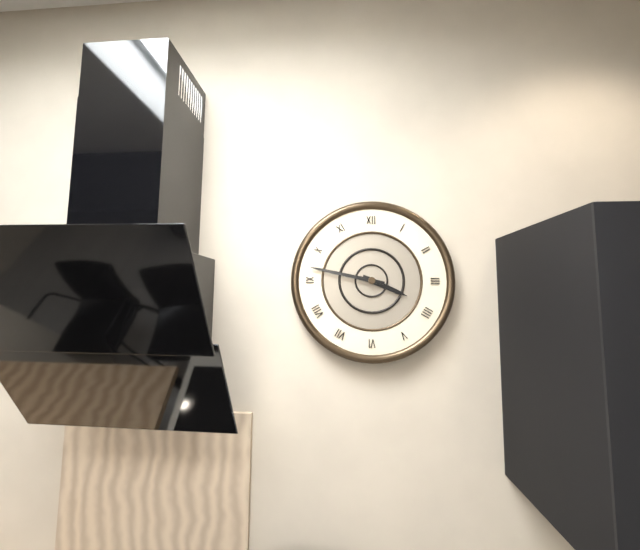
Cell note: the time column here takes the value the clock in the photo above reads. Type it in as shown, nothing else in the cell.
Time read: 3:47
